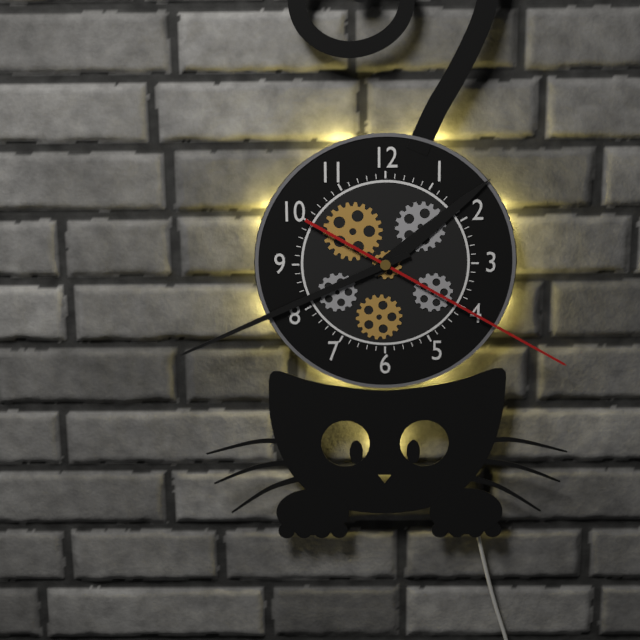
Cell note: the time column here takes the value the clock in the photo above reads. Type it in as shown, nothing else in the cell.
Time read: 1:41:20
